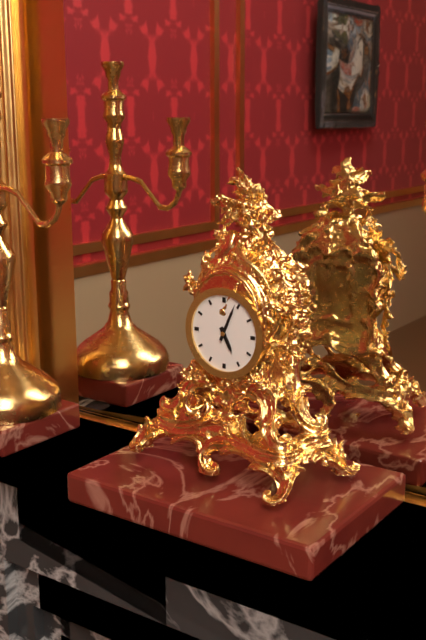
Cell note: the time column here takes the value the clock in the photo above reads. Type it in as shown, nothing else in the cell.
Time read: 5:04
